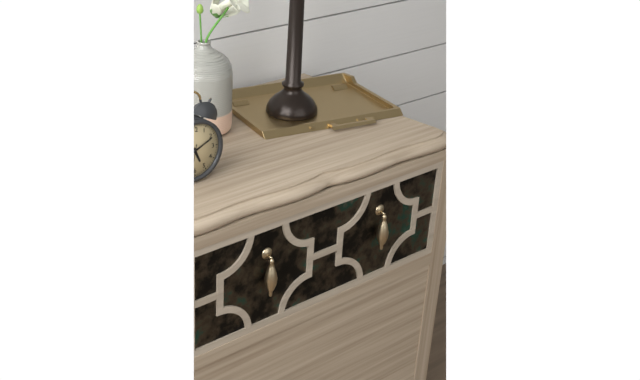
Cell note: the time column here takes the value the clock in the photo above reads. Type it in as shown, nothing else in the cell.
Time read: 5:11
